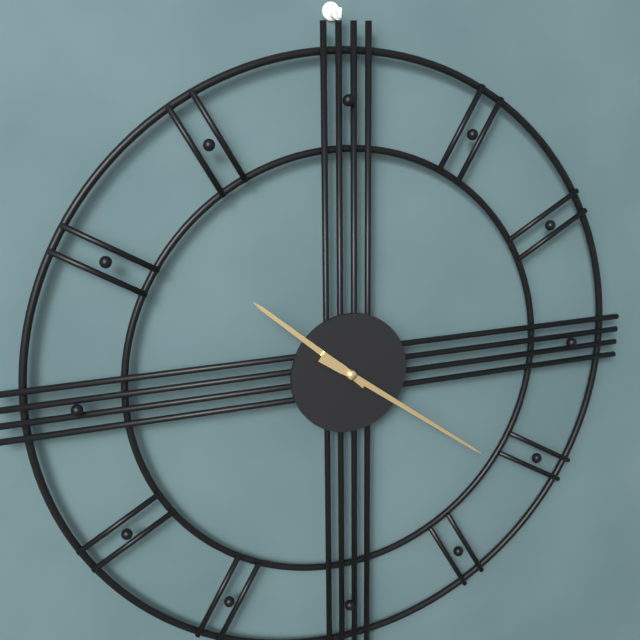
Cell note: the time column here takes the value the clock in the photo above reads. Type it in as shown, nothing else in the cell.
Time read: 10:21
